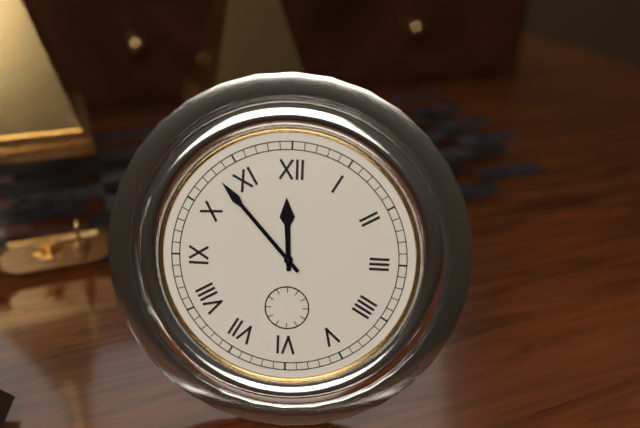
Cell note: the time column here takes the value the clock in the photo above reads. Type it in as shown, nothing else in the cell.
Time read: 11:53
